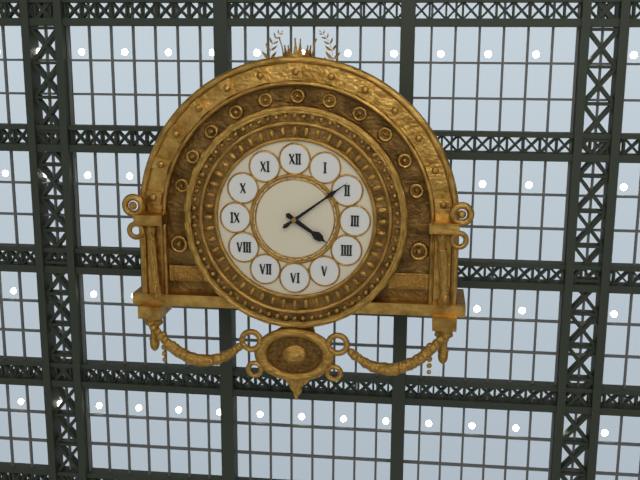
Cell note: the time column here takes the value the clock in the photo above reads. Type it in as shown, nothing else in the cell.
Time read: 4:09
